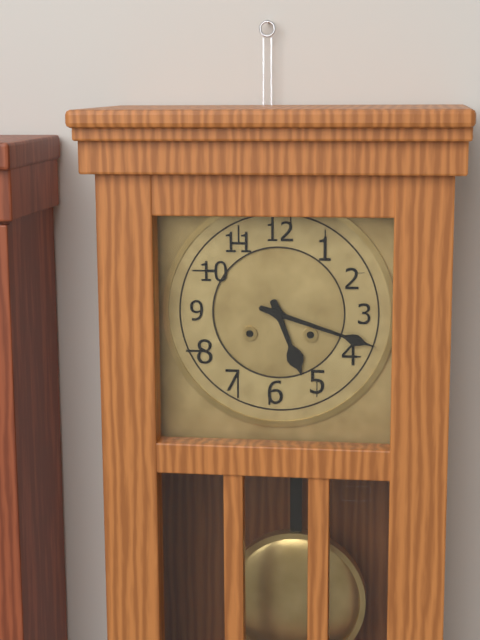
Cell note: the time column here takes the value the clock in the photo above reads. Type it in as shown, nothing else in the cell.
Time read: 5:18
